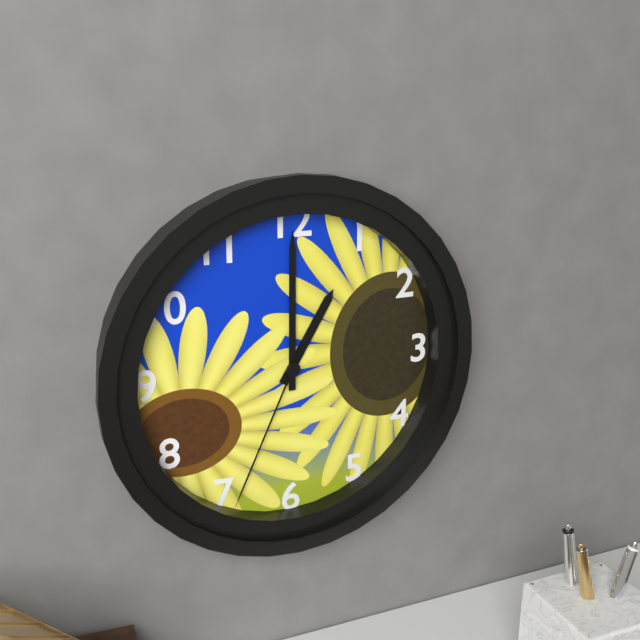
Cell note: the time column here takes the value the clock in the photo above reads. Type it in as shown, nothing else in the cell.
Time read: 1:00:34
